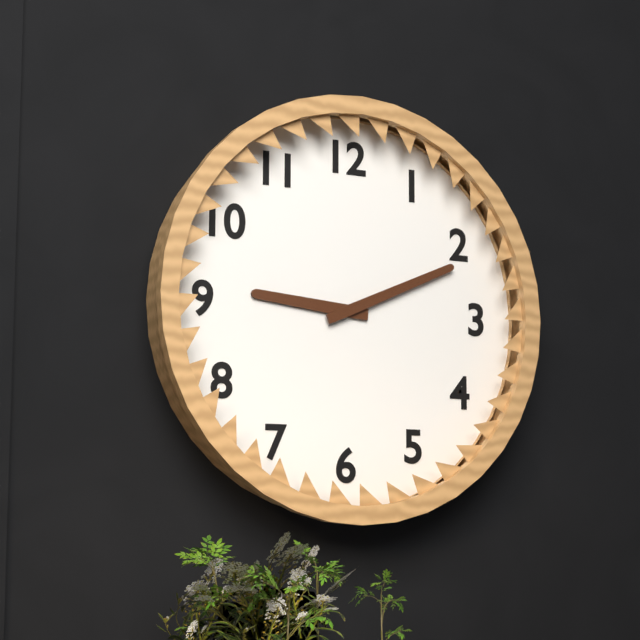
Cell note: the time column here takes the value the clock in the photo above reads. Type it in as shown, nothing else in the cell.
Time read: 9:11
